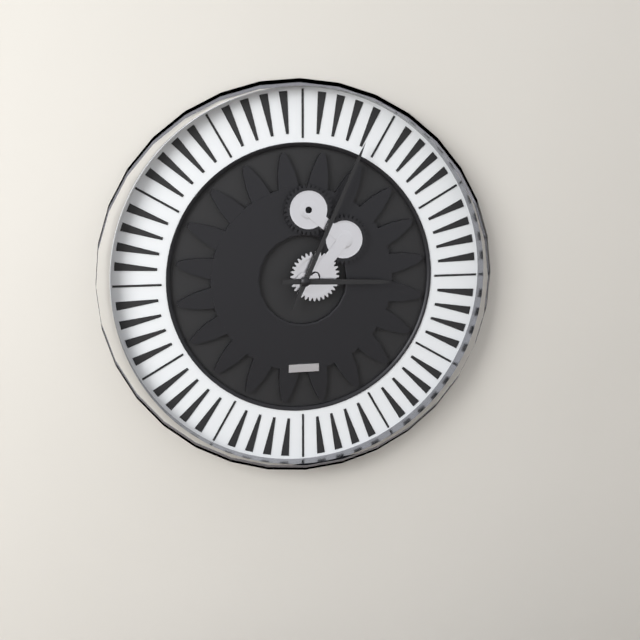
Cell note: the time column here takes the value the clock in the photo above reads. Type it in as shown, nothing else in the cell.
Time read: 3:04
